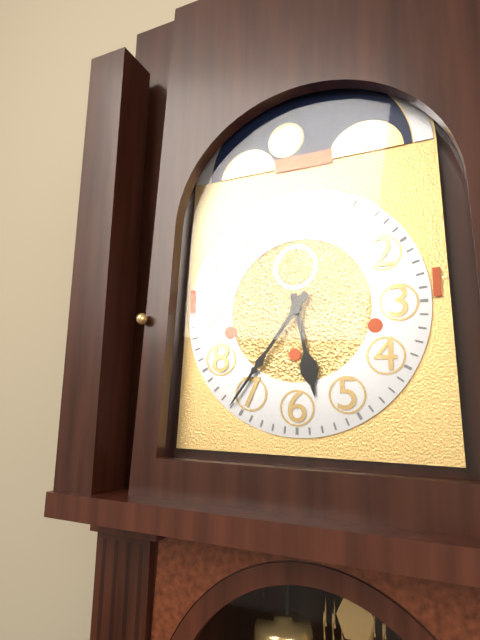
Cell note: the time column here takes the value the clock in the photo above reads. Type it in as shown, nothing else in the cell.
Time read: 5:36
